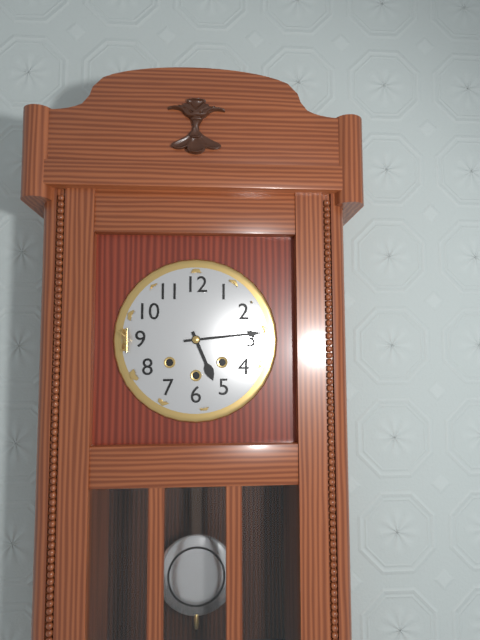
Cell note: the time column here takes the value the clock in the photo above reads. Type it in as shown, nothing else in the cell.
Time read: 5:14
